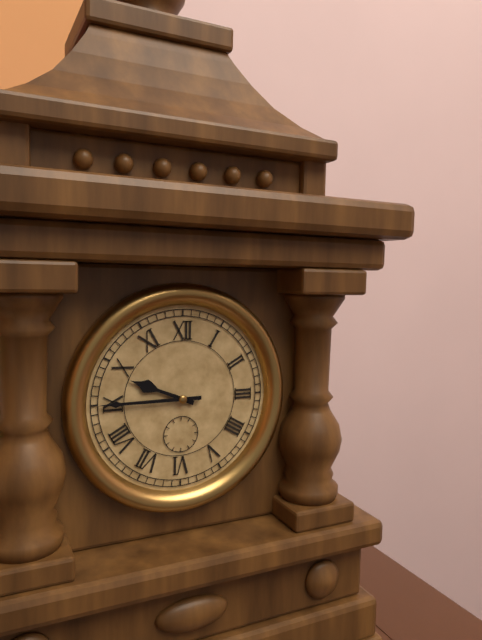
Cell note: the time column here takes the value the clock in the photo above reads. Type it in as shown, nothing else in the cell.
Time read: 9:45
